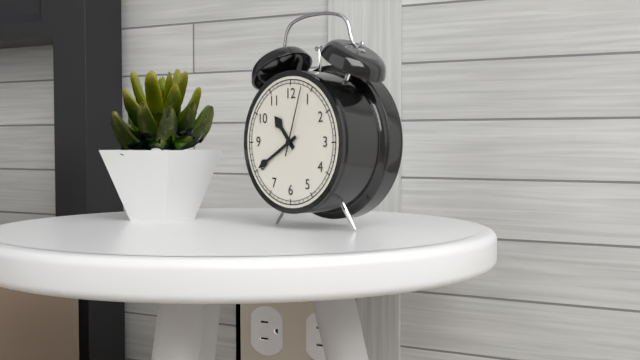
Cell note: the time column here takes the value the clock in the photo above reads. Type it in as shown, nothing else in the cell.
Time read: 10:40:03
